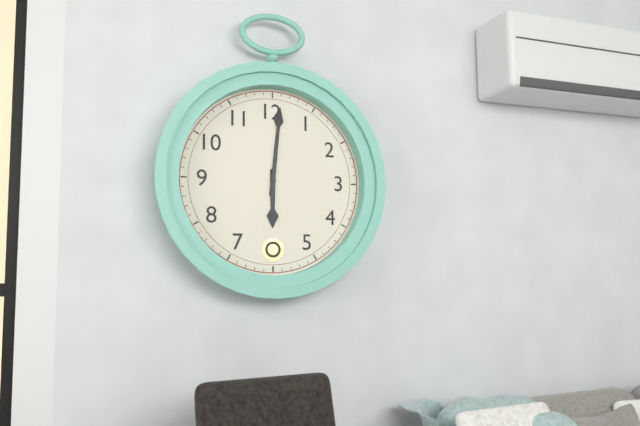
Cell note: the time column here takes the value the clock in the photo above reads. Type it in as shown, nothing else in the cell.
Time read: 6:01
